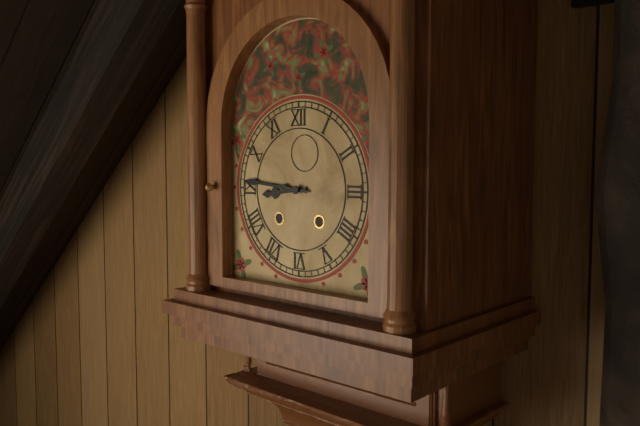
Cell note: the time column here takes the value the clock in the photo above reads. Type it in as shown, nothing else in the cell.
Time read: 8:46
